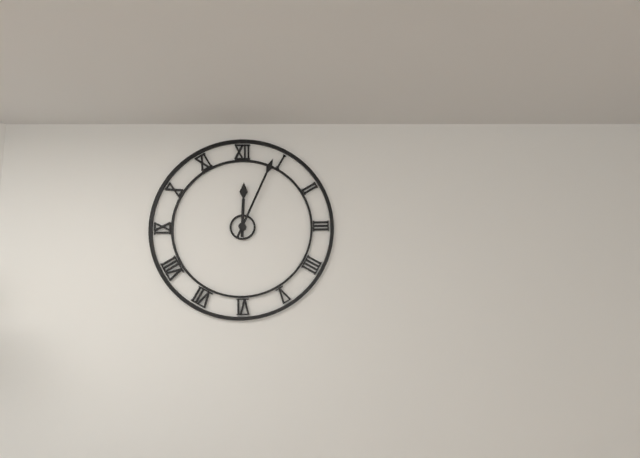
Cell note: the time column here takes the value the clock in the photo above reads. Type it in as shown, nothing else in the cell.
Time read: 12:04
